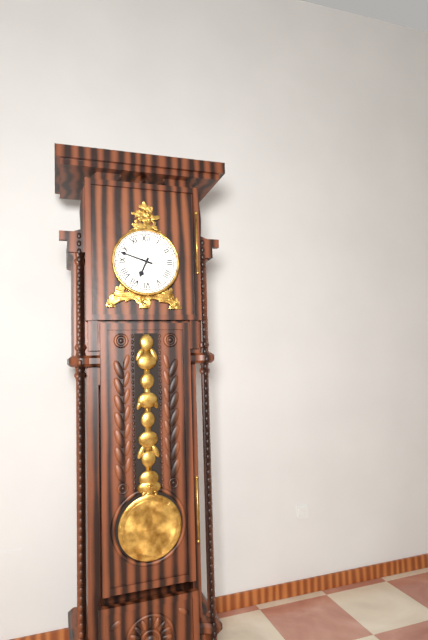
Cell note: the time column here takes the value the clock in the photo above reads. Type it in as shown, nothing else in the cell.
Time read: 6:48
